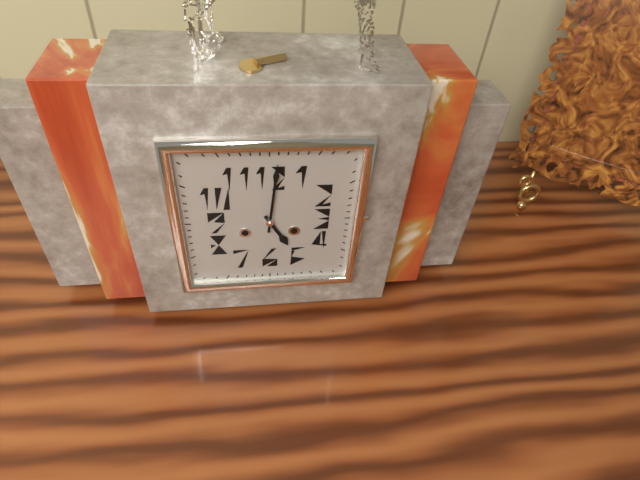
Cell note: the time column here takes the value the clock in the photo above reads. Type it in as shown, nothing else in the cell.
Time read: 5:01
